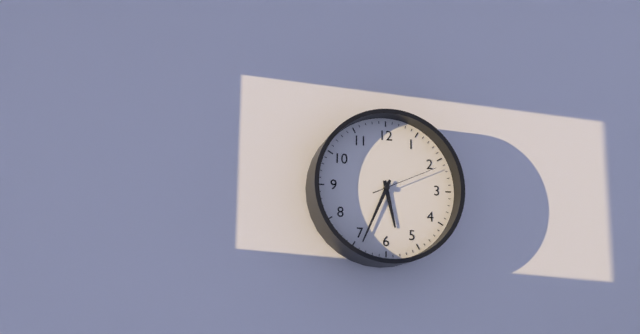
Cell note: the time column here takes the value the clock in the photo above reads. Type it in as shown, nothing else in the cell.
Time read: 5:34:11
